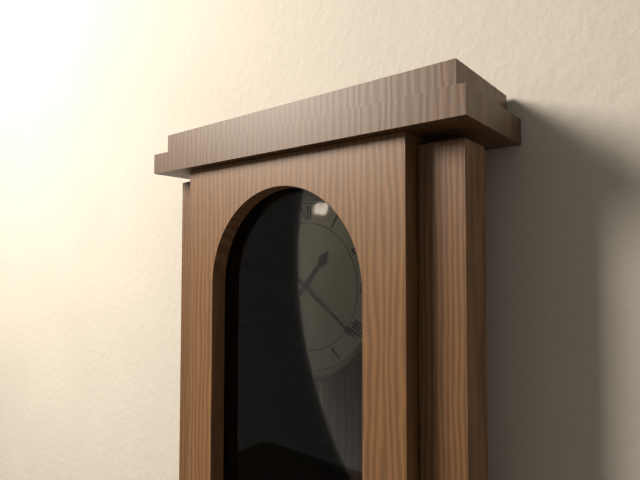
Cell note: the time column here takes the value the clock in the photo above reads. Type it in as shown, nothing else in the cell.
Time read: 1:21
